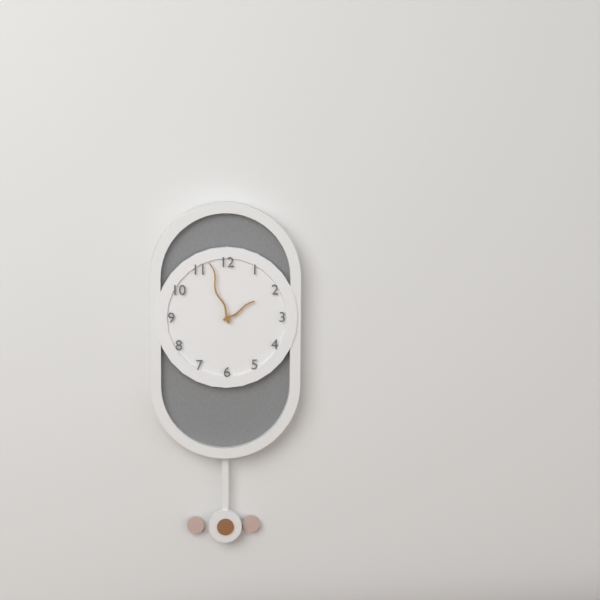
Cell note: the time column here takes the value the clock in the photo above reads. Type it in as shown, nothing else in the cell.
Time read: 1:57
